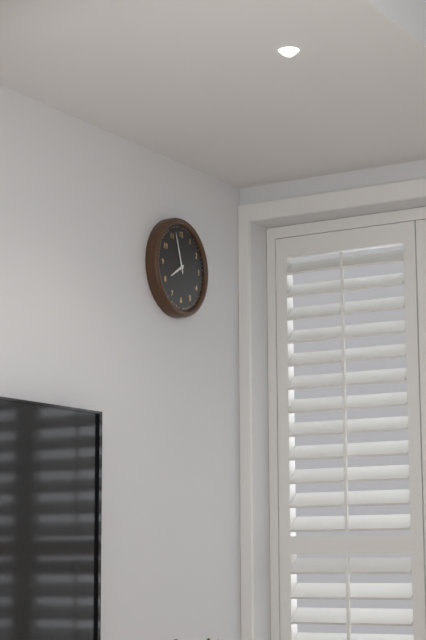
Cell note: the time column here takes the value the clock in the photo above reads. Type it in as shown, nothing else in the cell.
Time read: 7:57
